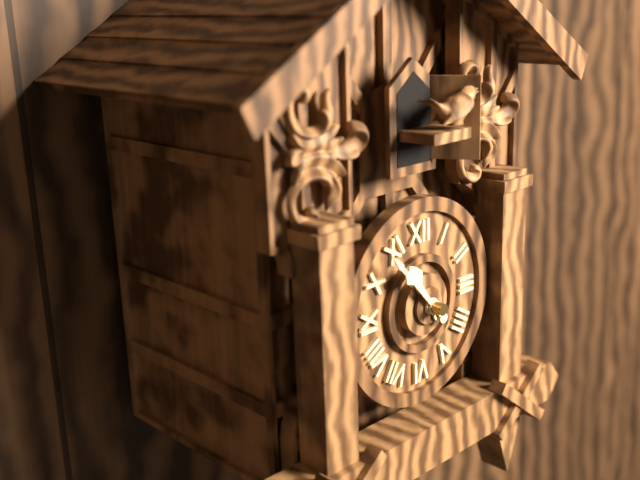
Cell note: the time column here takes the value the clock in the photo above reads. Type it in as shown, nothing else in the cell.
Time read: 10:53
